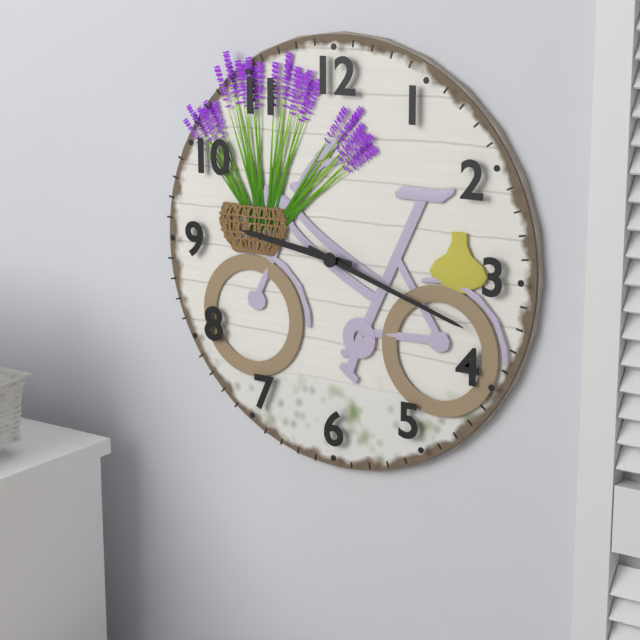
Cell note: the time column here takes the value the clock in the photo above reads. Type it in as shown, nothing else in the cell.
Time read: 9:18
